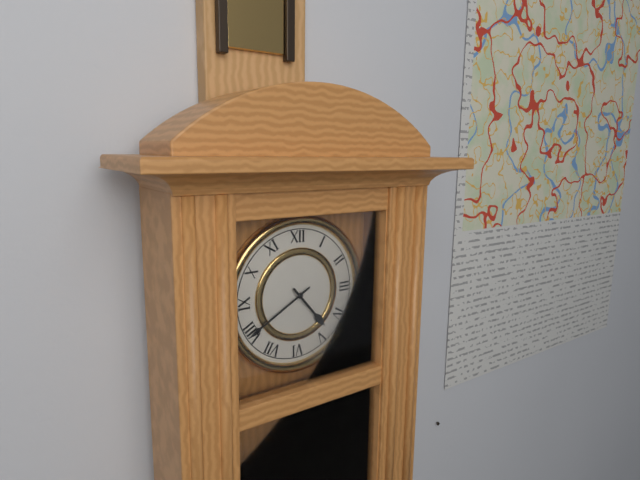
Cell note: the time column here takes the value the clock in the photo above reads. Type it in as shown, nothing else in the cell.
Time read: 4:40
